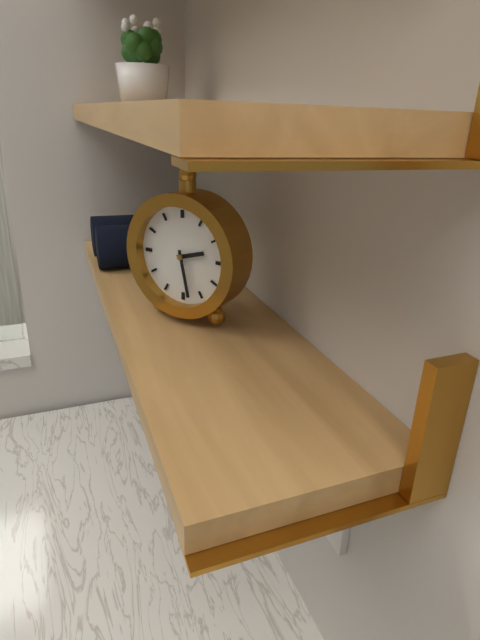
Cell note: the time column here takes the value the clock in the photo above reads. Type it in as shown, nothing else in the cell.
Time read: 2:28
